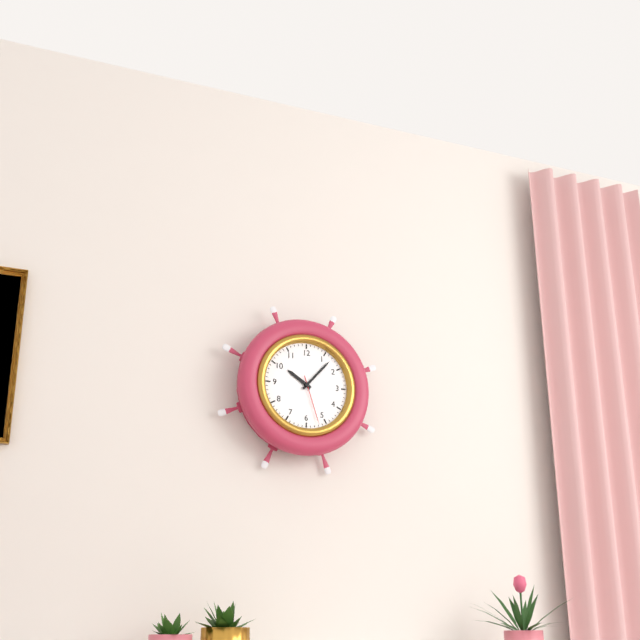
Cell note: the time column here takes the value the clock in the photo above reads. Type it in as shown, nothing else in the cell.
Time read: 10:07:27
